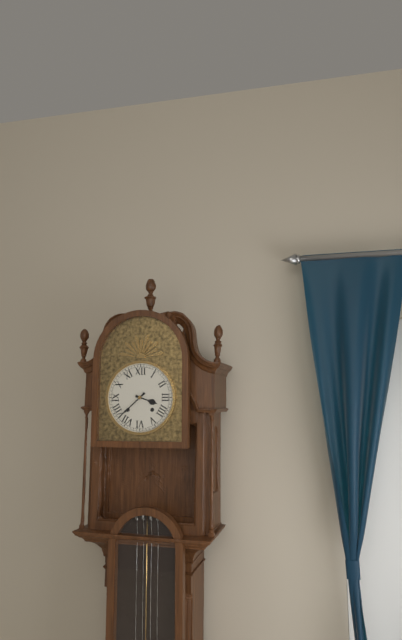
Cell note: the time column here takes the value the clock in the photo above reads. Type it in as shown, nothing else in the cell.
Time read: 3:38
